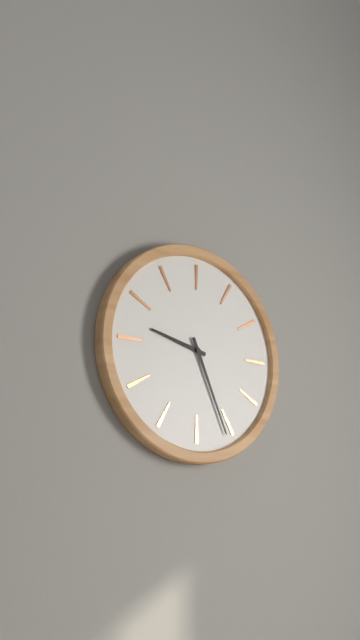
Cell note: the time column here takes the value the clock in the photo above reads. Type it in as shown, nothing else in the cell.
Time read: 9:26
